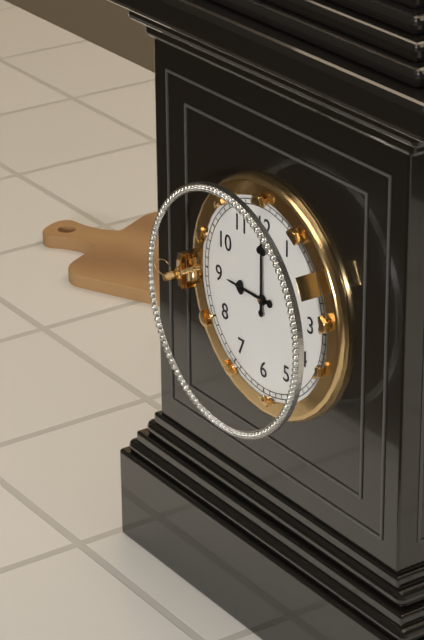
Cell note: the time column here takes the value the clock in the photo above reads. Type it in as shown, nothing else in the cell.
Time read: 9:00
